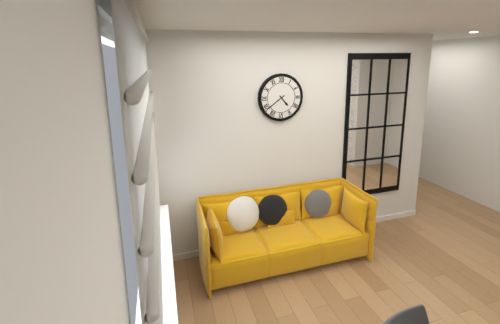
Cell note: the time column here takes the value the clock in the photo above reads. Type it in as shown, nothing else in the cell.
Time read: 4:39
